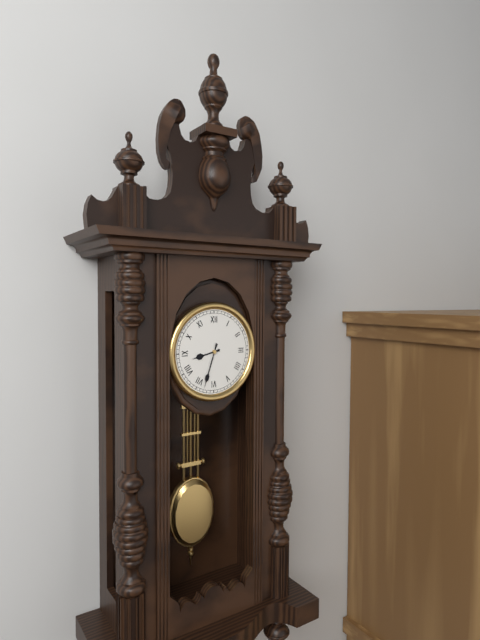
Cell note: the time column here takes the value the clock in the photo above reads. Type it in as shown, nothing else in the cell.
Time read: 8:33
